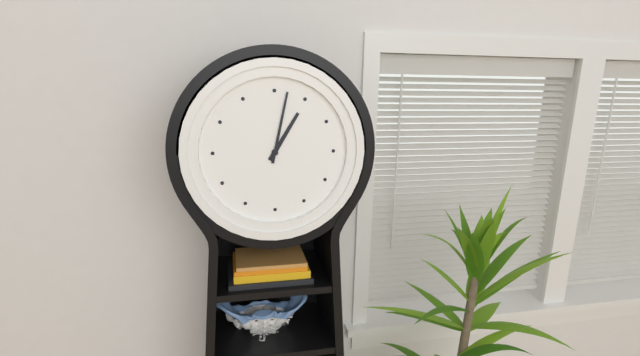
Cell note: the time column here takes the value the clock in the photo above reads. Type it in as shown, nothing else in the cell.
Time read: 1:02
